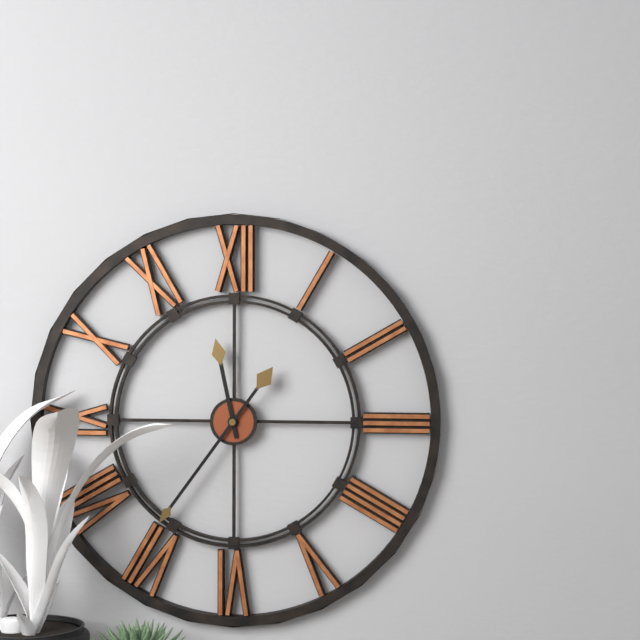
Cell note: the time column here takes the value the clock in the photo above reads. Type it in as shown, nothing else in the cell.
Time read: 11:36
